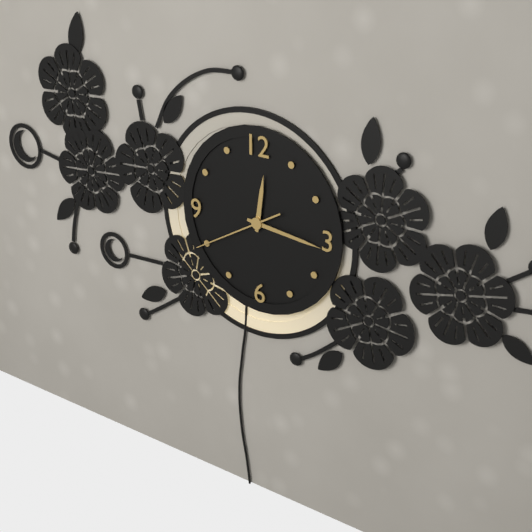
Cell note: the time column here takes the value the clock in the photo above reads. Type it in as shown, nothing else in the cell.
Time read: 12:16:40
